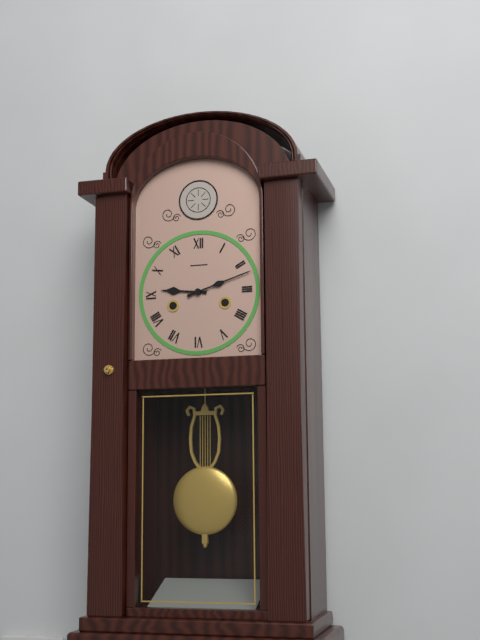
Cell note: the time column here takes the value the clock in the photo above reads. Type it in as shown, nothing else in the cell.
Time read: 9:12
